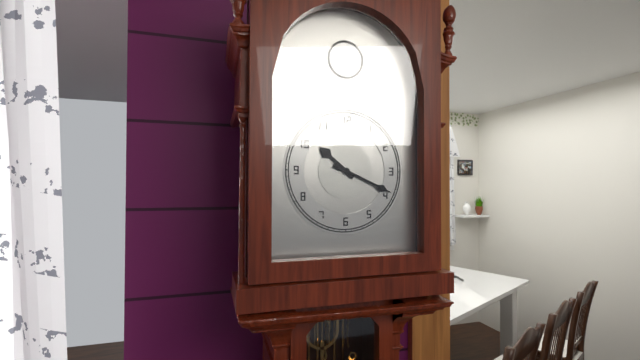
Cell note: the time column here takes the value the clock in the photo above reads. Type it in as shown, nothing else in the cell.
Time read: 10:19
